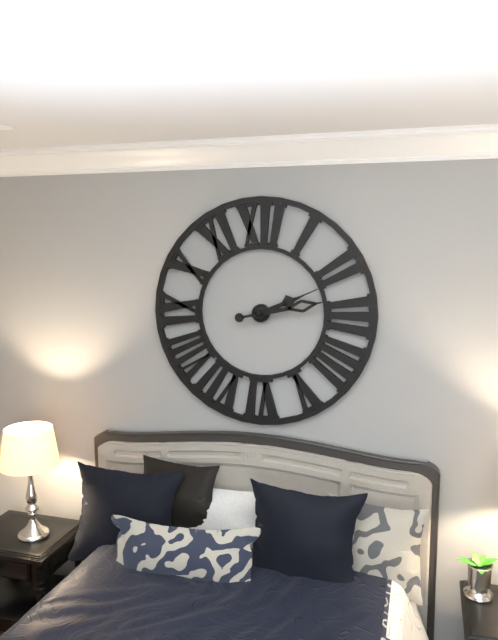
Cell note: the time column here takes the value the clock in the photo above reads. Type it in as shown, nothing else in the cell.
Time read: 2:13:11
